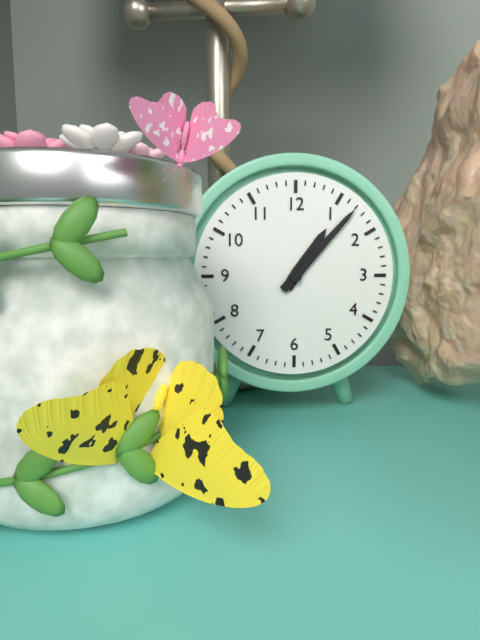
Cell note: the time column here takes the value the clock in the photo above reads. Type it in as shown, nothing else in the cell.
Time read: 1:07
